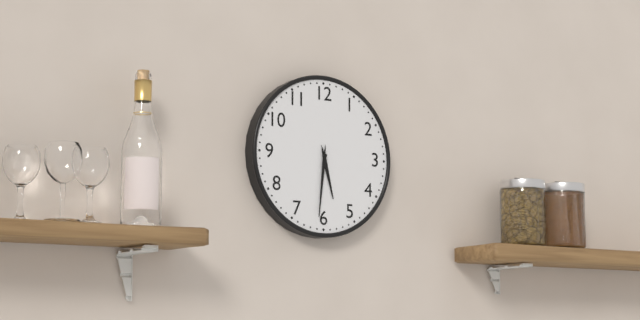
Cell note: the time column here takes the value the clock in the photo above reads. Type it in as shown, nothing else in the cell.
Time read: 5:31
